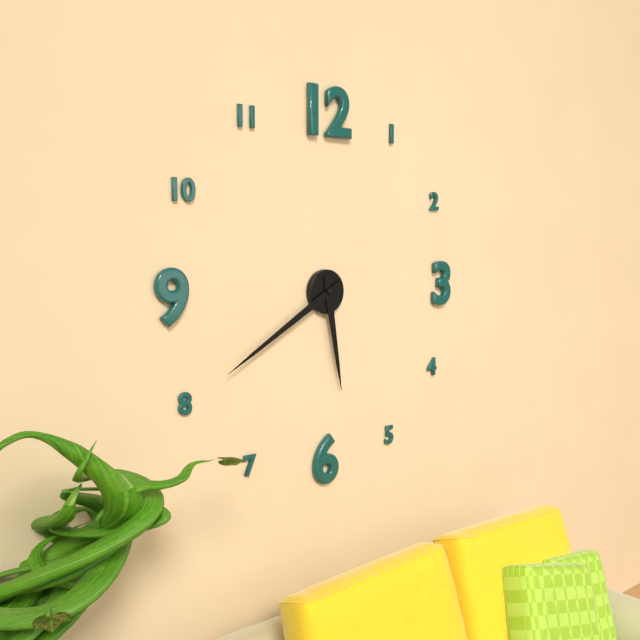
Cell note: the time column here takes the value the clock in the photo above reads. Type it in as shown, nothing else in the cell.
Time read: 5:40
